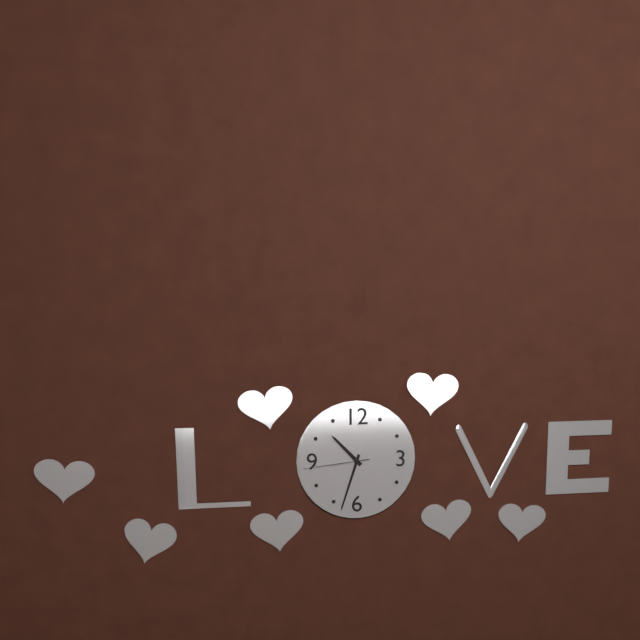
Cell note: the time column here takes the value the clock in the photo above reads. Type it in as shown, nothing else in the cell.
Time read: 10:33:44
